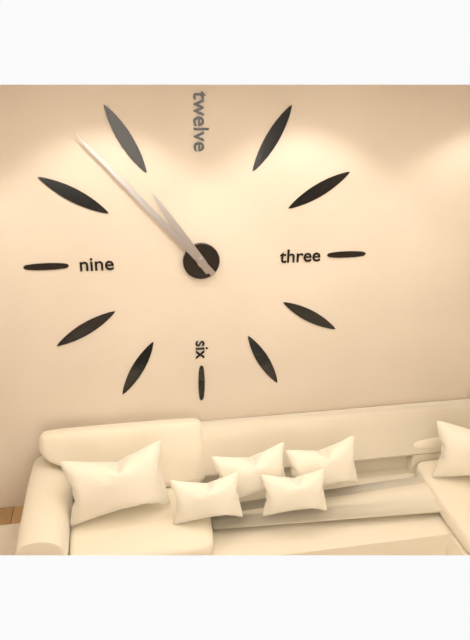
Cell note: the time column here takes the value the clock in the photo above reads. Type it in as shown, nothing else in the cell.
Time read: 10:53
